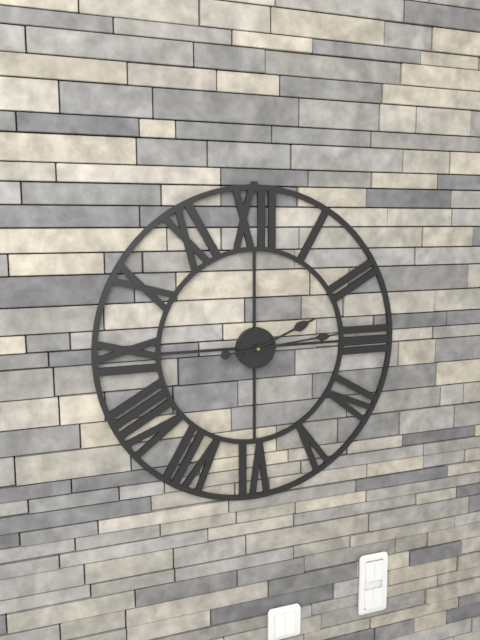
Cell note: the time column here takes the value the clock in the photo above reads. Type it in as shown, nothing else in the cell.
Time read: 2:14
